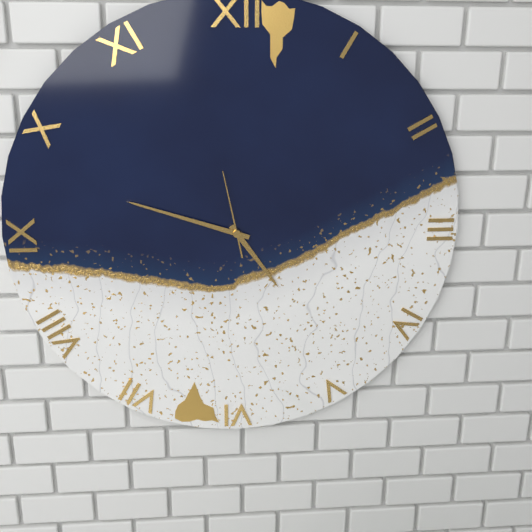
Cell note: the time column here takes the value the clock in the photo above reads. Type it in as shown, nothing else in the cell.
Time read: 4:48:58
